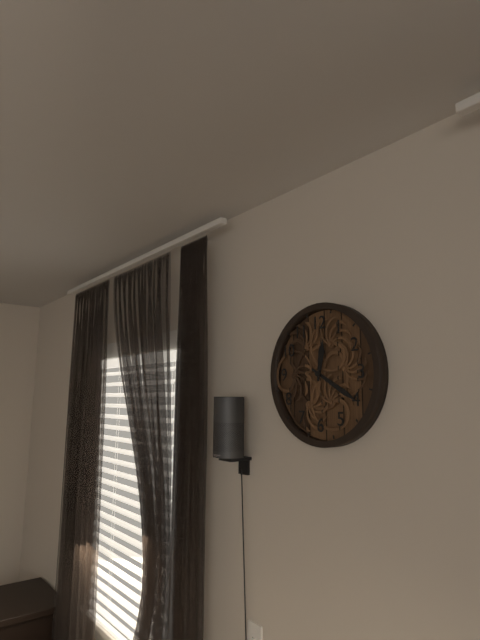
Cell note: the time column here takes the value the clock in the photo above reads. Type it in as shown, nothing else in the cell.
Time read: 12:20
